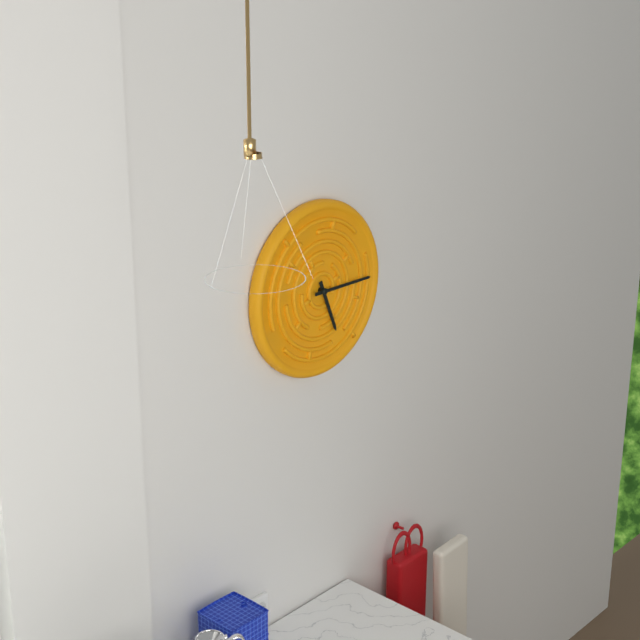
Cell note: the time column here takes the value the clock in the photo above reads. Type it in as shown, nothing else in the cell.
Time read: 5:15
